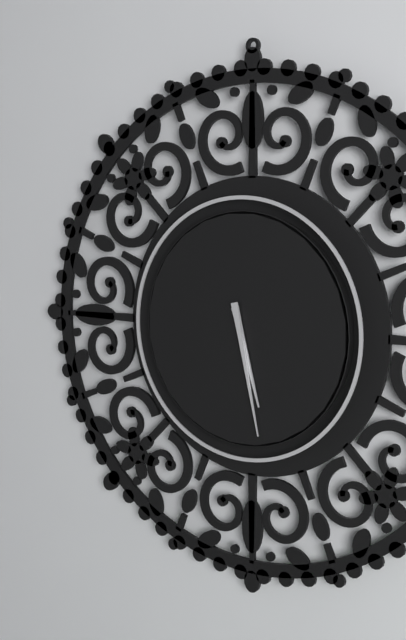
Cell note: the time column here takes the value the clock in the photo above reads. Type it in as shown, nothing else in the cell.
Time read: 5:28
